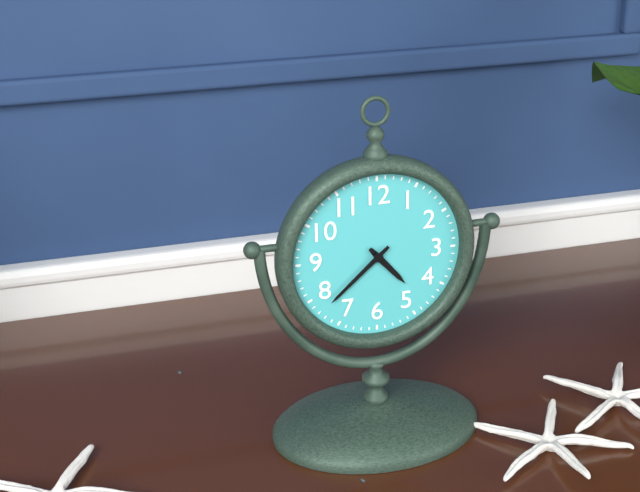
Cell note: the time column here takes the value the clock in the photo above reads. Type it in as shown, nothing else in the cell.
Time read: 4:38
